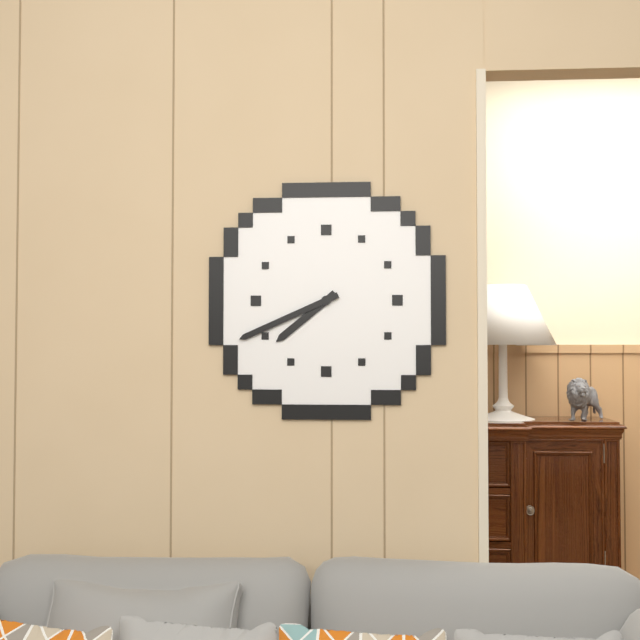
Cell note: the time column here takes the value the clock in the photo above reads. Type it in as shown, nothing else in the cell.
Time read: 7:41
